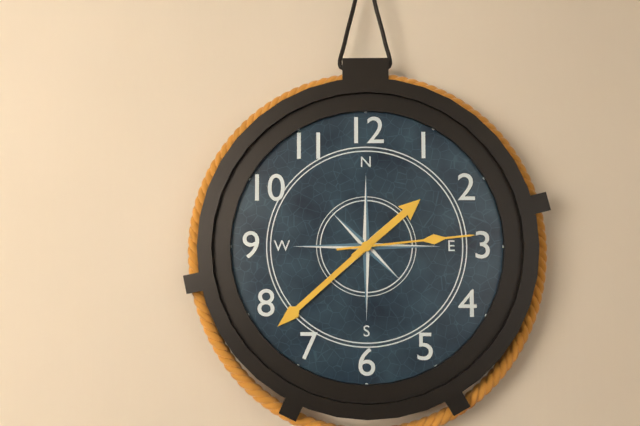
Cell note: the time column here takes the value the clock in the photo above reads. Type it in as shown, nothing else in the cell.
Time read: 1:38:14
